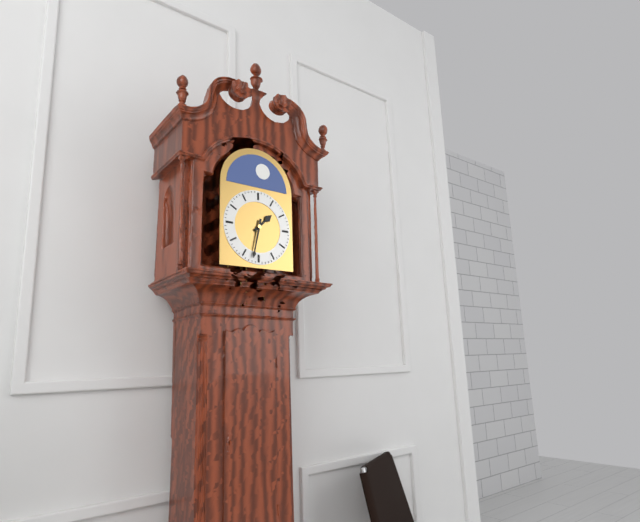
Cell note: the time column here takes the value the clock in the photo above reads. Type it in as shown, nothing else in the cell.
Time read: 1:32
